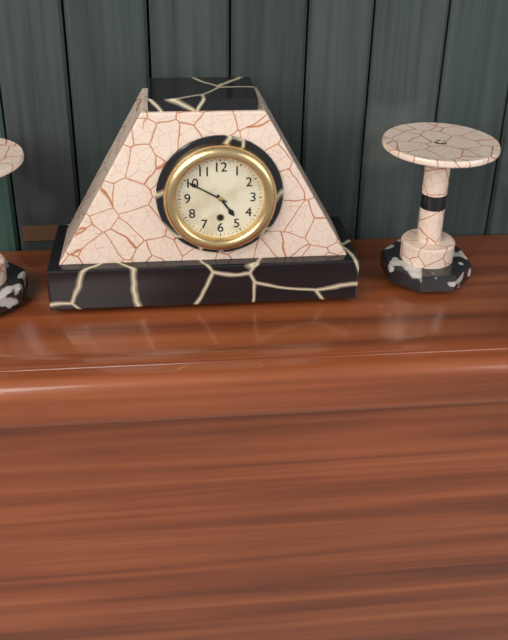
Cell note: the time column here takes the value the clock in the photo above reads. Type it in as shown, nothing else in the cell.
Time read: 4:50
